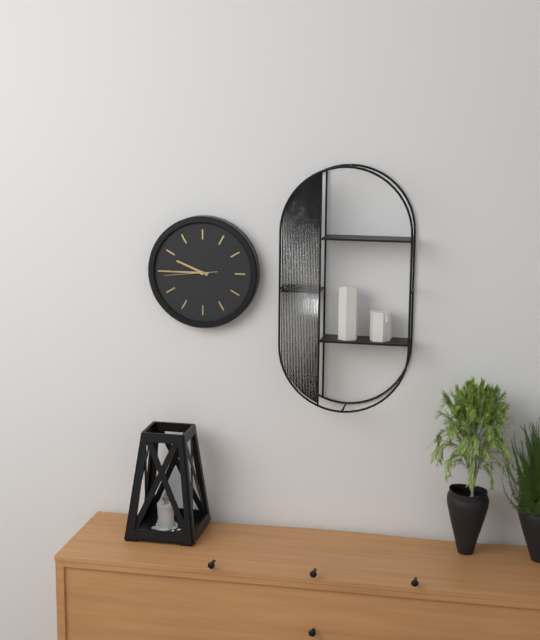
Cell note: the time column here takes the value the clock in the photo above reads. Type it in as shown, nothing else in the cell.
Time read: 9:45
